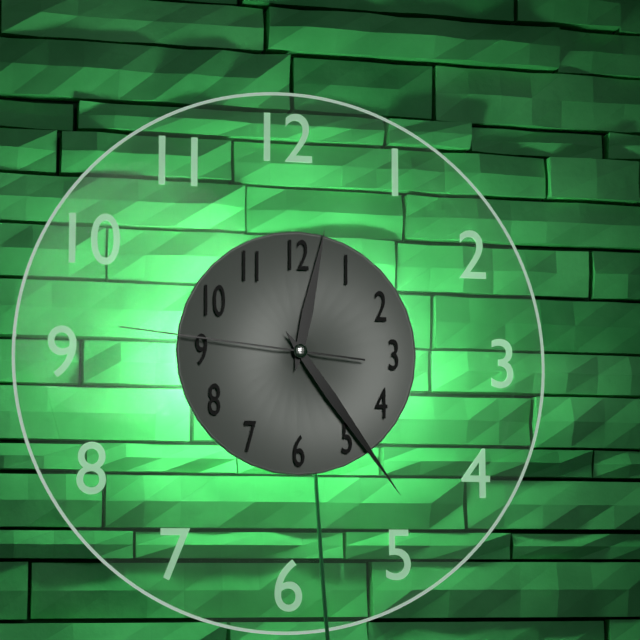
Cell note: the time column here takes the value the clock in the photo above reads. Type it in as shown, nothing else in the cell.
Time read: 12:24:46
